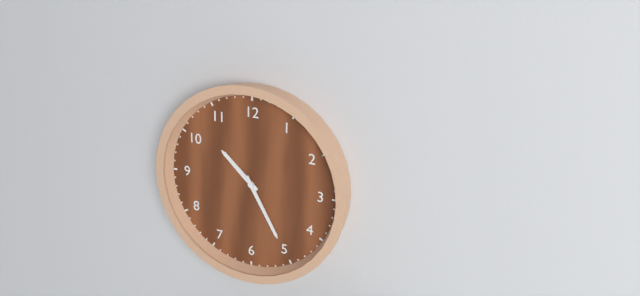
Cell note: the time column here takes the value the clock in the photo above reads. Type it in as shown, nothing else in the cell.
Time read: 10:25
